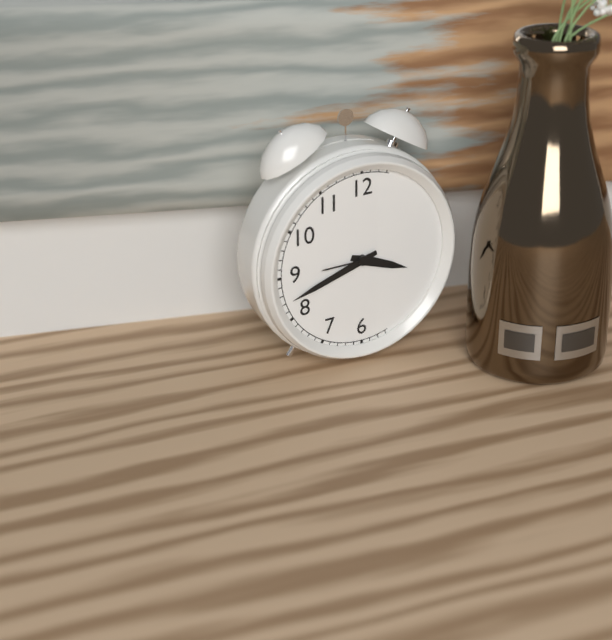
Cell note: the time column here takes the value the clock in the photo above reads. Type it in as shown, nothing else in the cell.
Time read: 3:42
